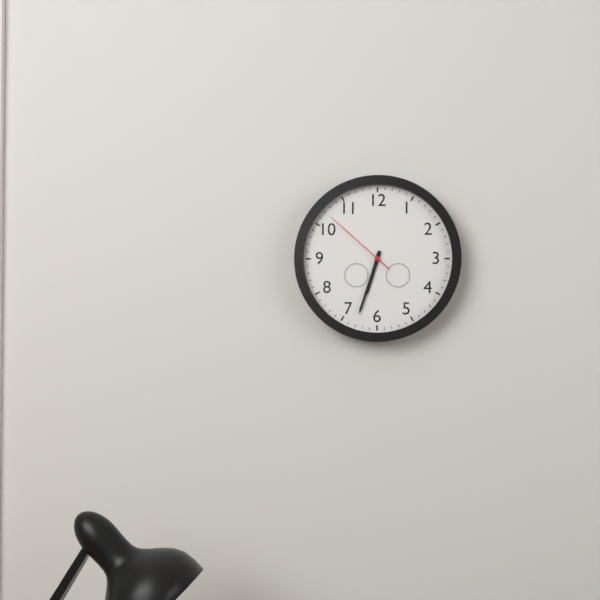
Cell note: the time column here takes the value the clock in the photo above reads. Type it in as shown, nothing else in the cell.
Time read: 6:33:52
